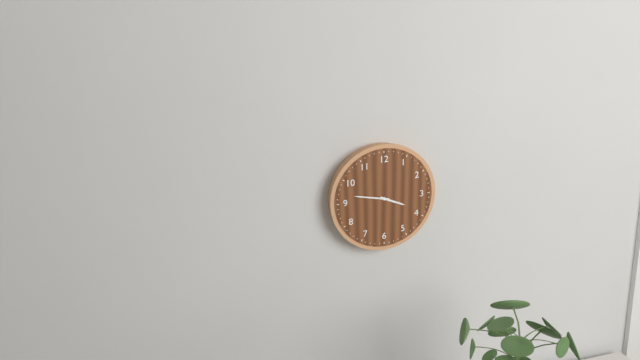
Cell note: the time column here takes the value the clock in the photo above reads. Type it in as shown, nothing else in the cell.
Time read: 3:47
